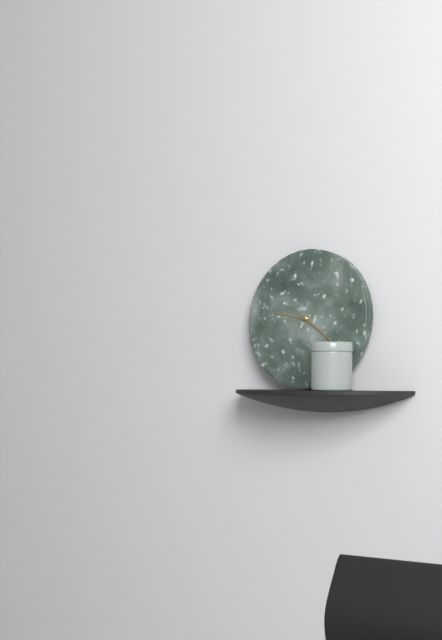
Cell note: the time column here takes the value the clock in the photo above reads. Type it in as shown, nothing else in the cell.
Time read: 9:21
